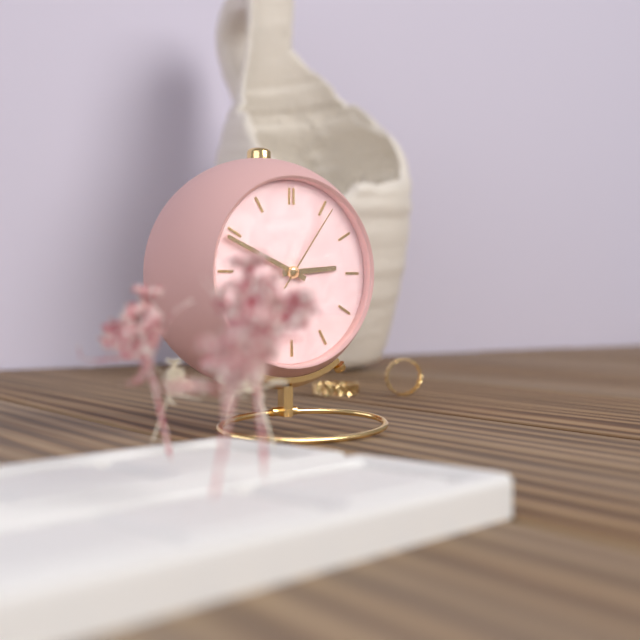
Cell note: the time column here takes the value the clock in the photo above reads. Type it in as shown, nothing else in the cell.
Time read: 2:49:06
